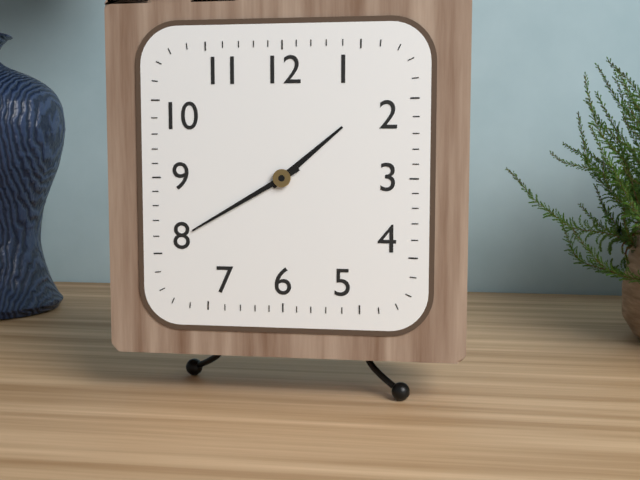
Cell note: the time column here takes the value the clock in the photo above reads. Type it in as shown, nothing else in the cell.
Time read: 1:40
